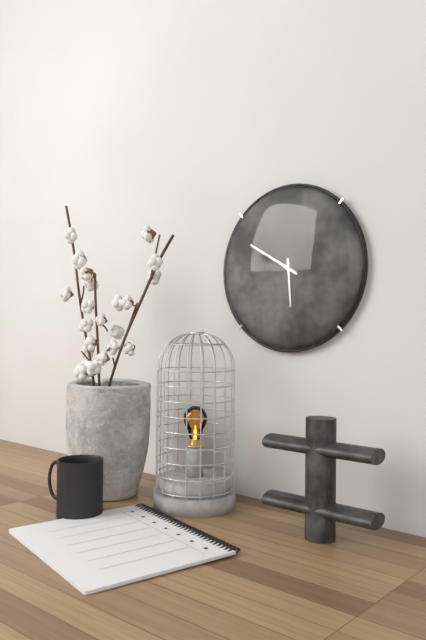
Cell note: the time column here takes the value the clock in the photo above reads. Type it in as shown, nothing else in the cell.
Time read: 5:50
